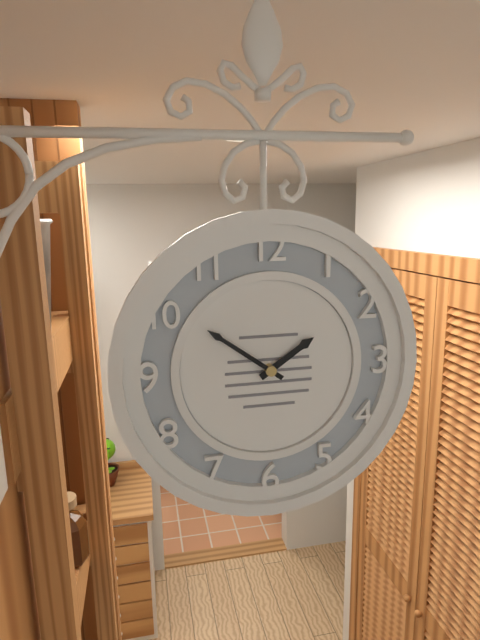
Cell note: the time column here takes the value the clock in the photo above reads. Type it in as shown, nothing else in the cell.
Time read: 1:51
